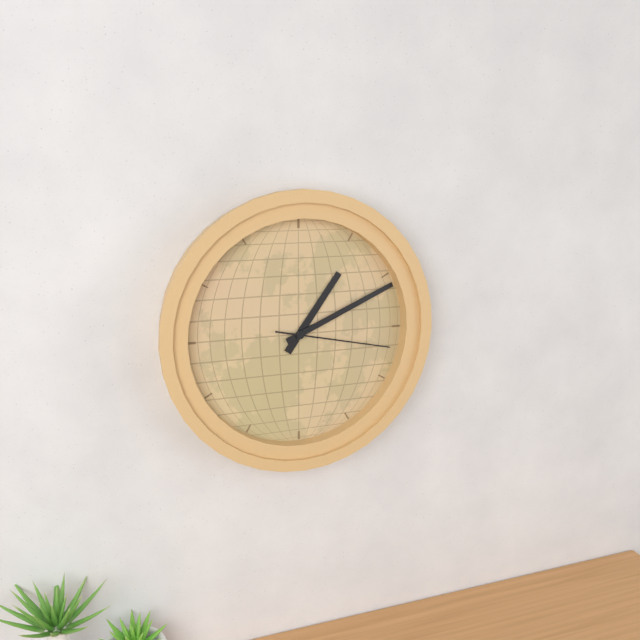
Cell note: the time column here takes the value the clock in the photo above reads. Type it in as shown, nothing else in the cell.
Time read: 1:11:17
